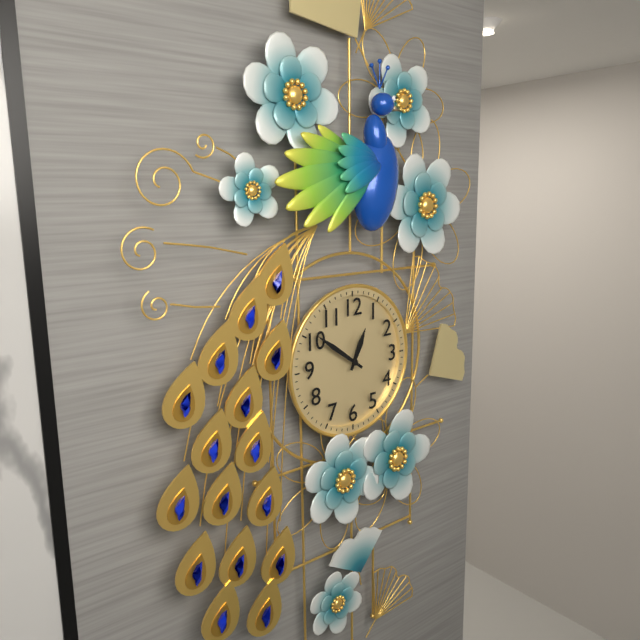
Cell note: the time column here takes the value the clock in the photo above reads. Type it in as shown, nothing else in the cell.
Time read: 12:51
